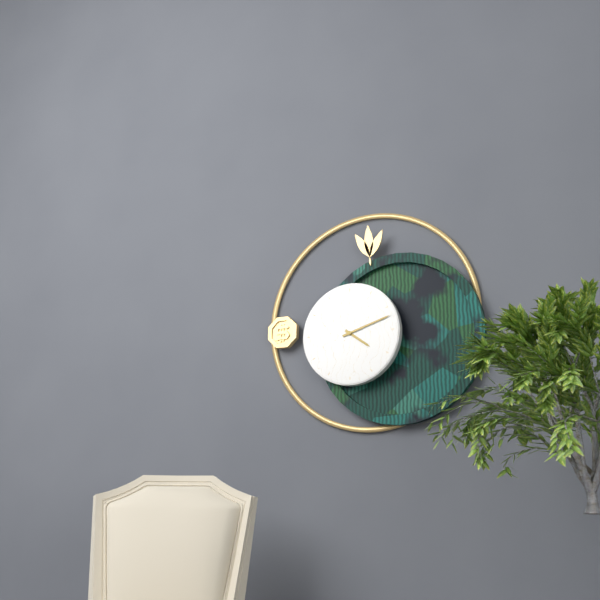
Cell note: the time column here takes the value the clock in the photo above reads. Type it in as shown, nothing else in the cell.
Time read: 4:12
